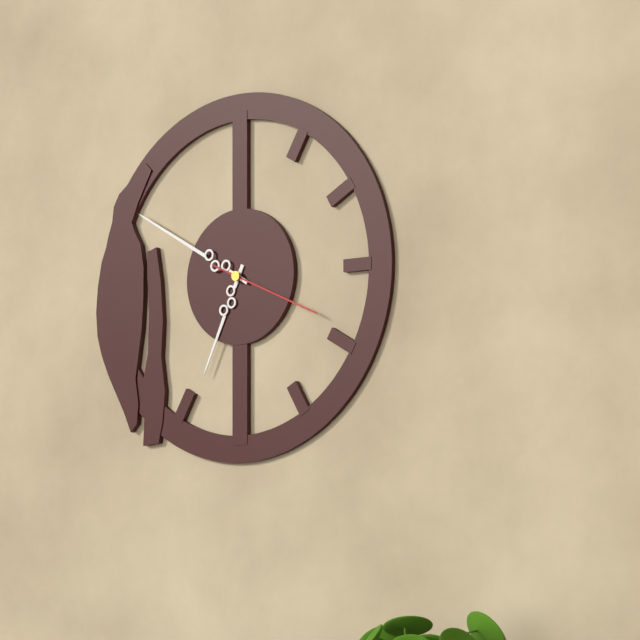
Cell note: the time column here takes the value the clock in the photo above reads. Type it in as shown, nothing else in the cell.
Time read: 6:50:19
